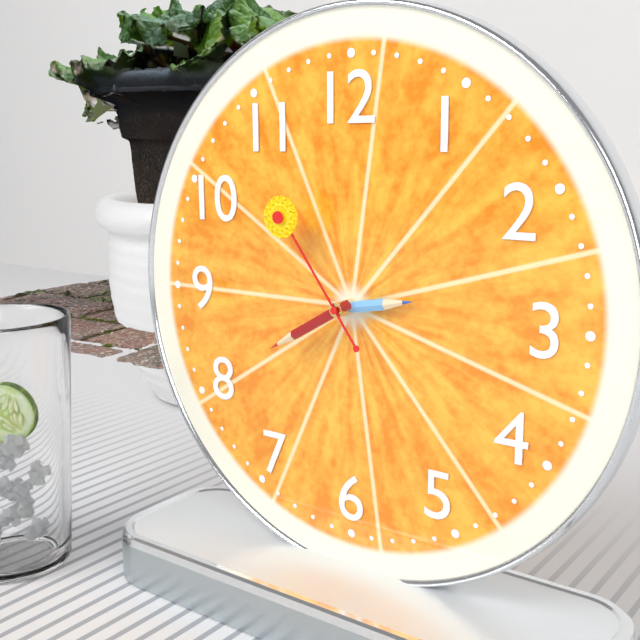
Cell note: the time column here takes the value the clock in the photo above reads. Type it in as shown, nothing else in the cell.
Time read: 2:40:54
